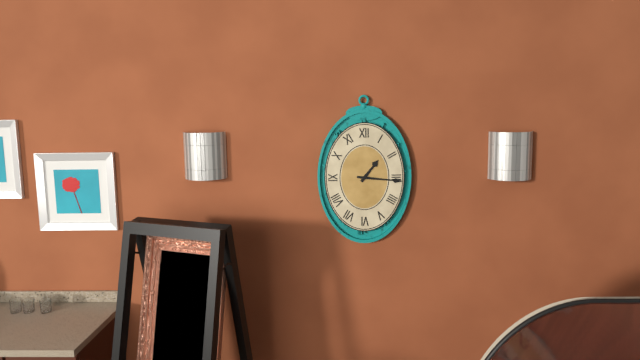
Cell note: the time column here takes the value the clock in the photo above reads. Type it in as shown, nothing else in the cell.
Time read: 1:16
